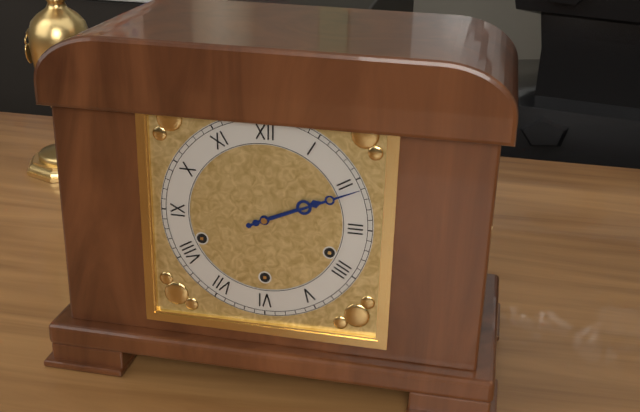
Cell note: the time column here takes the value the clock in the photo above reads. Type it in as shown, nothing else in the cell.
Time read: 2:11
